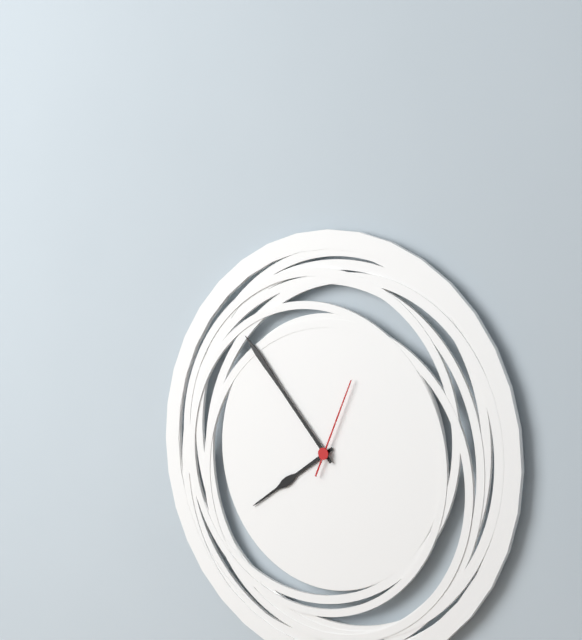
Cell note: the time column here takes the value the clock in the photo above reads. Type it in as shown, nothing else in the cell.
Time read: 7:53:04
